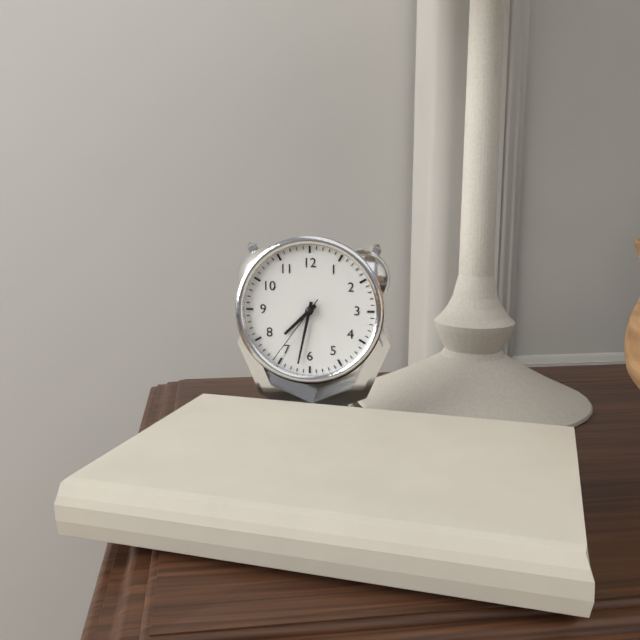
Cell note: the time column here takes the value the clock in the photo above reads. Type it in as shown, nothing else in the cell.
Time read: 7:32:36
